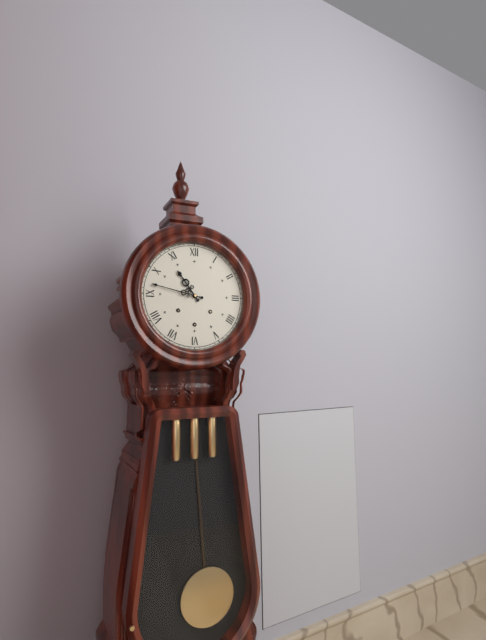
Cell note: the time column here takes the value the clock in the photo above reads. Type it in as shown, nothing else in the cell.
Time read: 10:47
